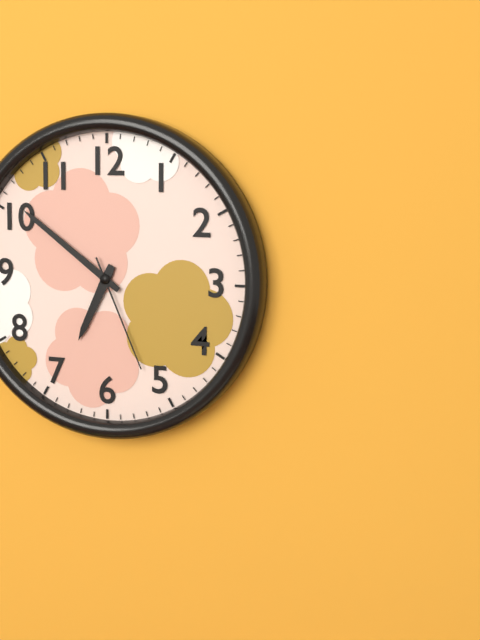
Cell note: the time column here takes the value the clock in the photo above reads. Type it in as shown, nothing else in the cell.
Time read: 6:51:26
